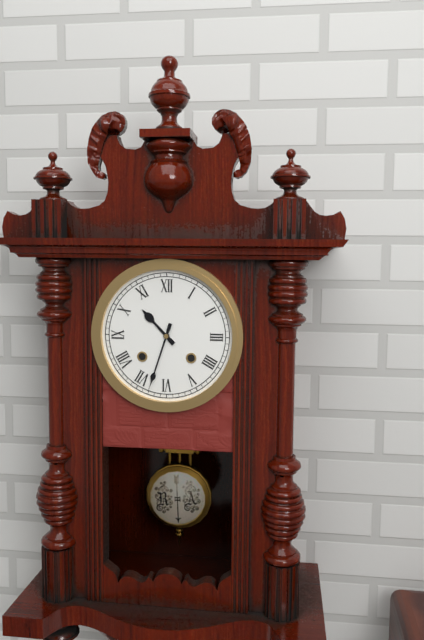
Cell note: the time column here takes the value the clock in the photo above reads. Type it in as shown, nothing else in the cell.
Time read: 10:33
